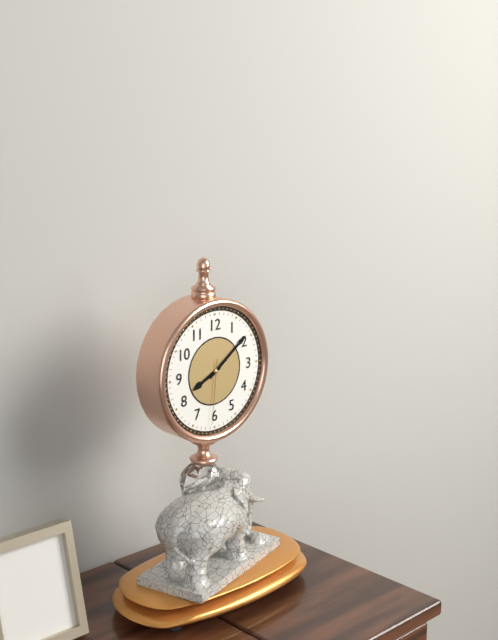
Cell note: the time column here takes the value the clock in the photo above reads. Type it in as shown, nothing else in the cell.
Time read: 8:09:31
